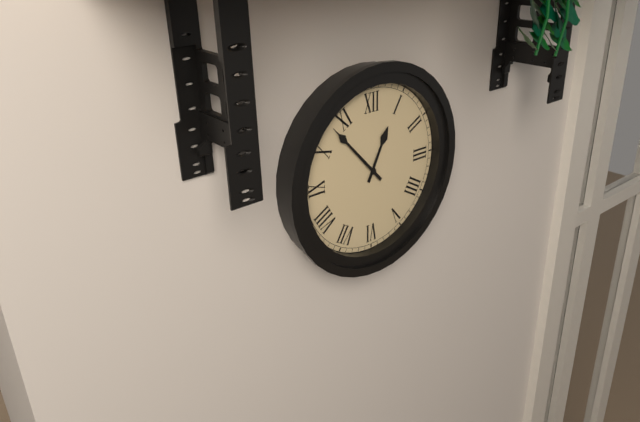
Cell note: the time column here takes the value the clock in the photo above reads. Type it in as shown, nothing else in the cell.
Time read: 12:53
